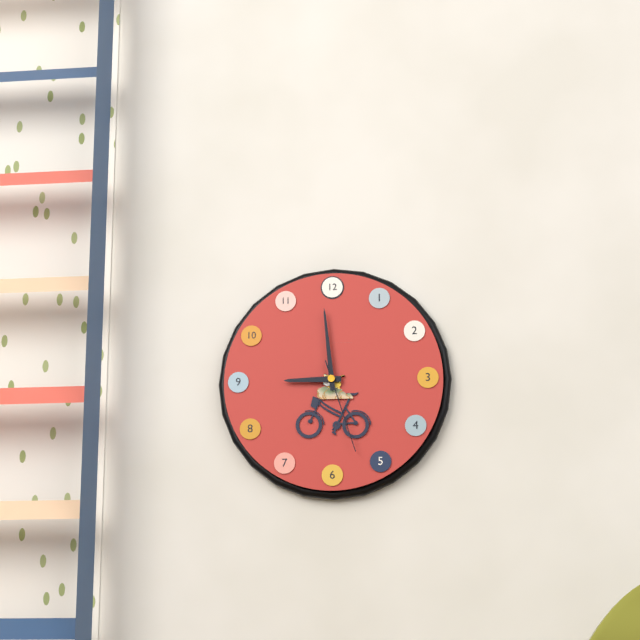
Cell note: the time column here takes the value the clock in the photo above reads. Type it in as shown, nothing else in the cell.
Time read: 8:59:27
